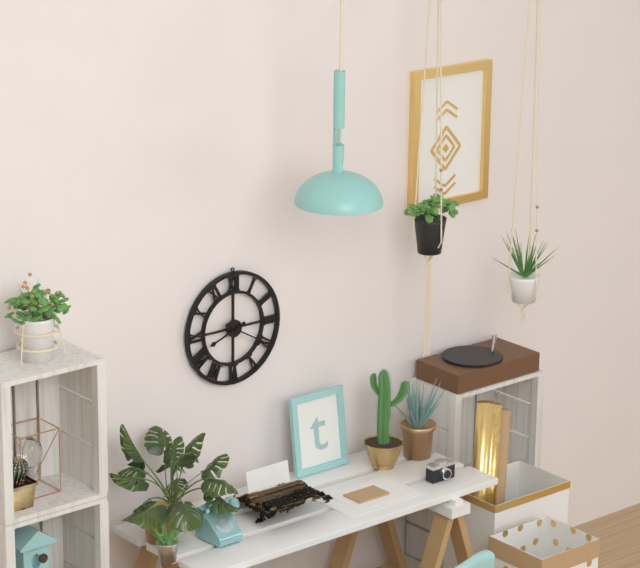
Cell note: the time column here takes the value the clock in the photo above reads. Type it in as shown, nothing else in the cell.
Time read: 8:20
